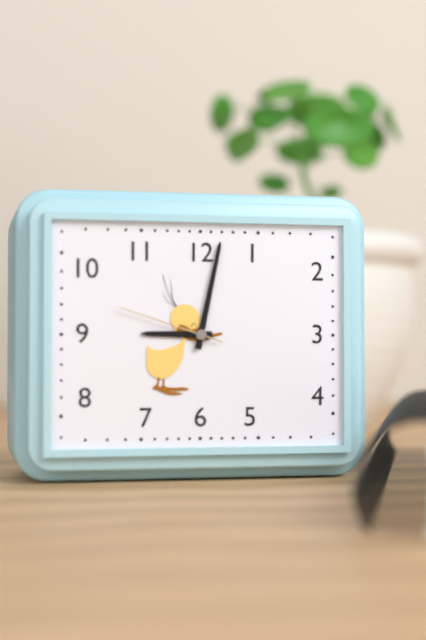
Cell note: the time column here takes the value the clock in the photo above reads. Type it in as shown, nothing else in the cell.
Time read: 9:02:48
